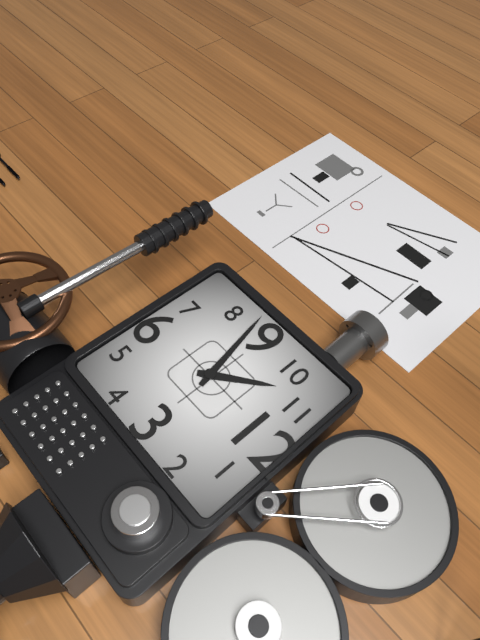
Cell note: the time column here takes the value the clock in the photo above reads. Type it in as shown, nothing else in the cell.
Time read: 10:43
